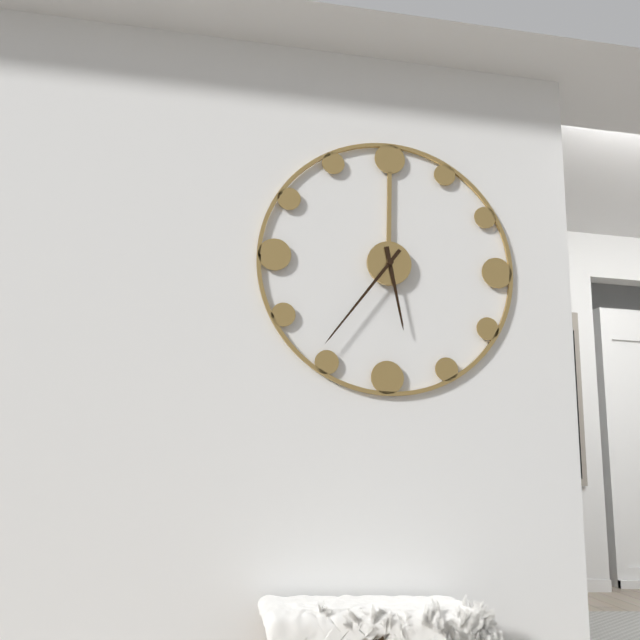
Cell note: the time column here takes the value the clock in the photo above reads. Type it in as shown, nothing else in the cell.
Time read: 5:36
